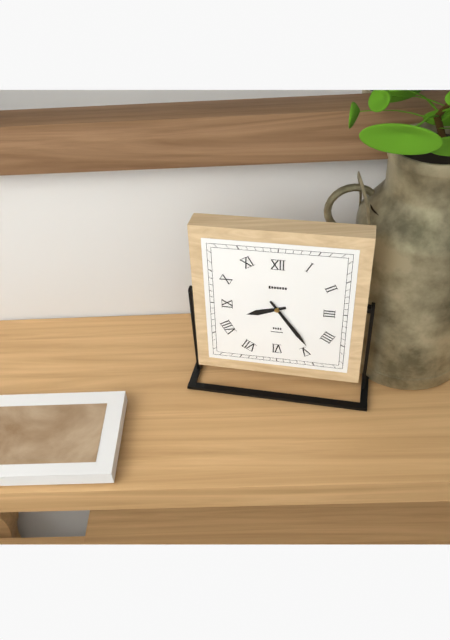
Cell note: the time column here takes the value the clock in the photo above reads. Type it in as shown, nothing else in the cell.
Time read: 8:24
